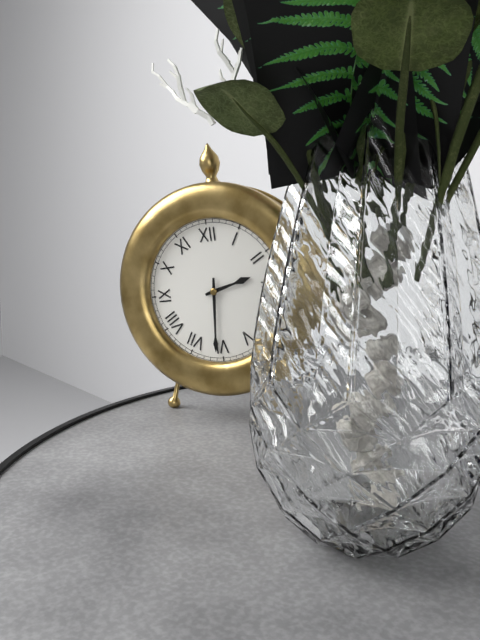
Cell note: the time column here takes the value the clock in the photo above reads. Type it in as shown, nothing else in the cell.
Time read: 2:31
